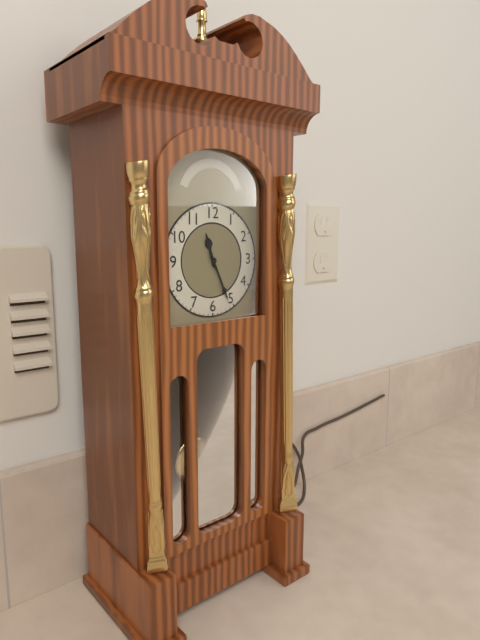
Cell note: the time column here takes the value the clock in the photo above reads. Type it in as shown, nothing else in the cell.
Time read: 11:26
